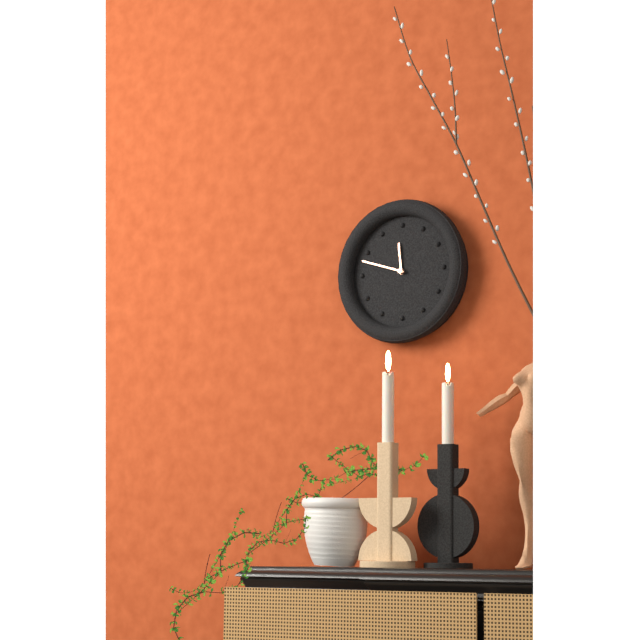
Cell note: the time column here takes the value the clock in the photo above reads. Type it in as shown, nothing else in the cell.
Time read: 11:48
